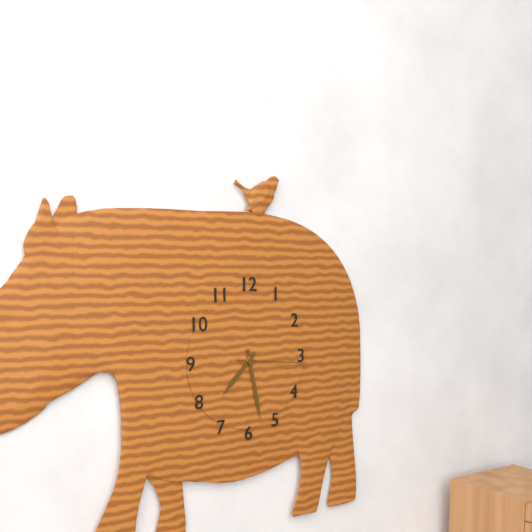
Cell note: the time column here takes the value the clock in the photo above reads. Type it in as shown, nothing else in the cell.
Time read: 7:28:16
